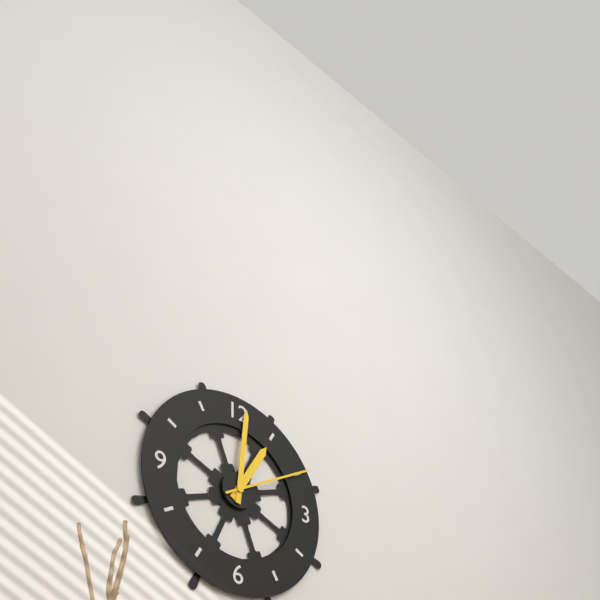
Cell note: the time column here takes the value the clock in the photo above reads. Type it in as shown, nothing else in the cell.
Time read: 1:01:10
